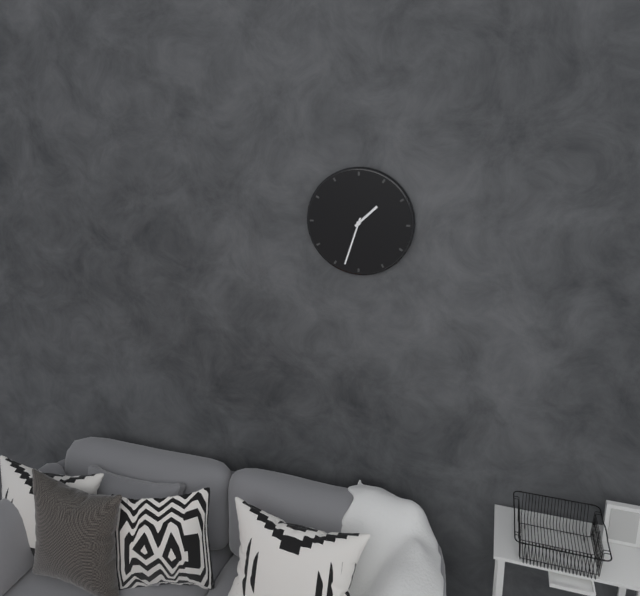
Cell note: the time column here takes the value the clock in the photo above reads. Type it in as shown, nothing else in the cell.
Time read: 1:33
